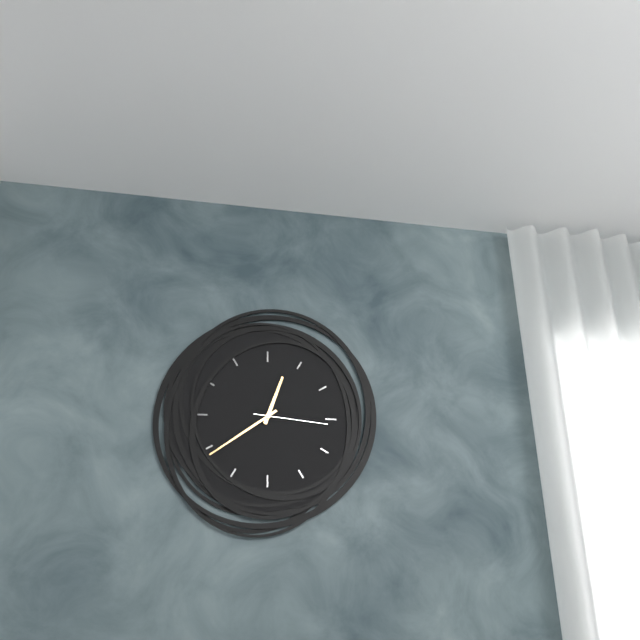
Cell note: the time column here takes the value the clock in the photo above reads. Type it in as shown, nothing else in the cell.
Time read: 12:39:16
